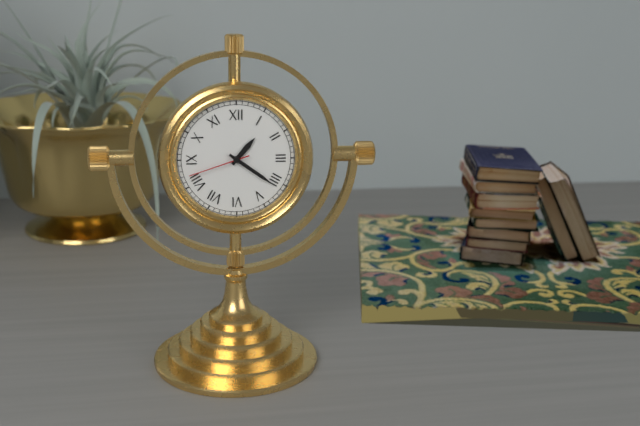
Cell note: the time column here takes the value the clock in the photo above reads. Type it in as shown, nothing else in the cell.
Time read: 1:21:42
